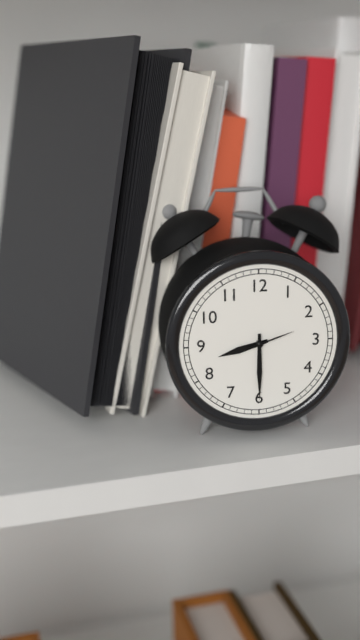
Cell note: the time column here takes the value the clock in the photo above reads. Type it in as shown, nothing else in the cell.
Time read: 8:30
